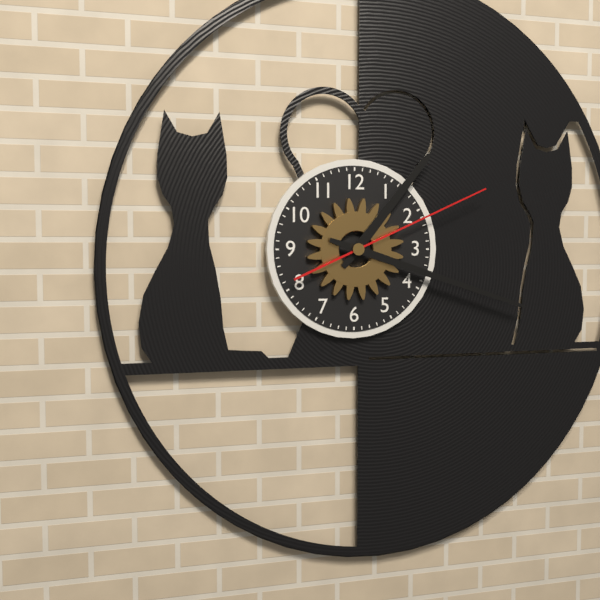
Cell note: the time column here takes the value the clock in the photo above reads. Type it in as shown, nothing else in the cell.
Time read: 1:18:11
